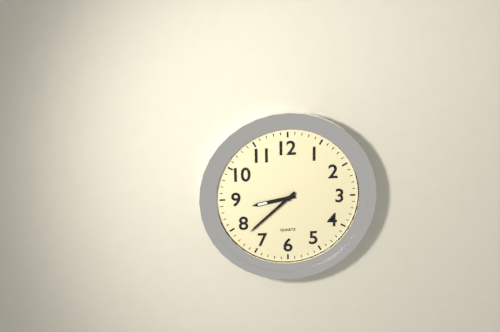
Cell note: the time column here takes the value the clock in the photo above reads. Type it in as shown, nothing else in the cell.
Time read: 8:38
